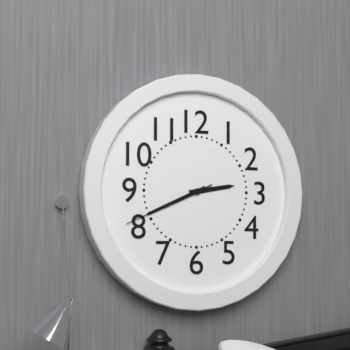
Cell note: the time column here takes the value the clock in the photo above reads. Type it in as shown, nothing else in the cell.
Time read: 2:41:41
